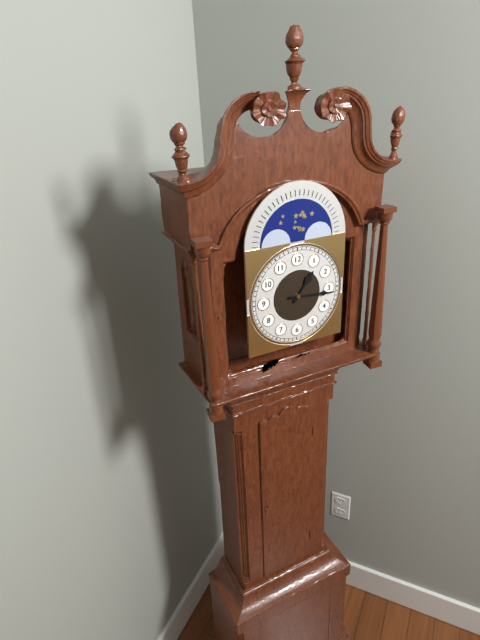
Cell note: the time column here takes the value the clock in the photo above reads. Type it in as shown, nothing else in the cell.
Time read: 1:16
